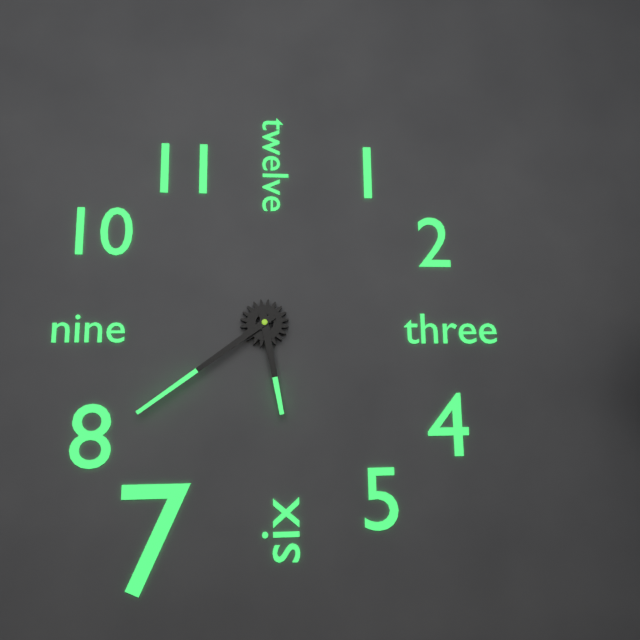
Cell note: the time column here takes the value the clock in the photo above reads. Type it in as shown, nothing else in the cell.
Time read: 5:39
